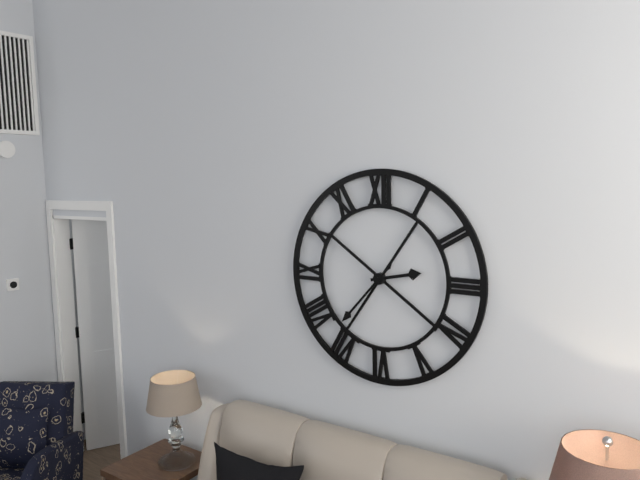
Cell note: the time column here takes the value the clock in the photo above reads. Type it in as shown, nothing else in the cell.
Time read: 2:37
